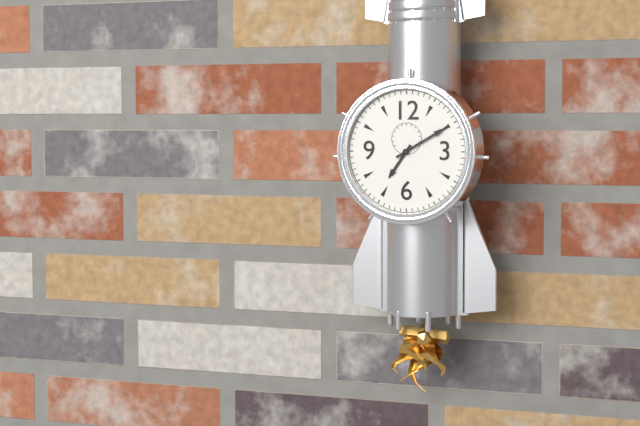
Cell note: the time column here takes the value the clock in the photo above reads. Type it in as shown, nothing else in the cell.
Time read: 7:10
